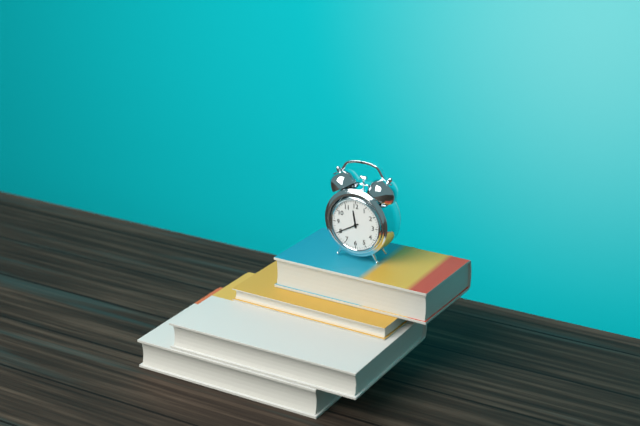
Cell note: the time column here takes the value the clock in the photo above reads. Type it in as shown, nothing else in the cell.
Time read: 11:40
